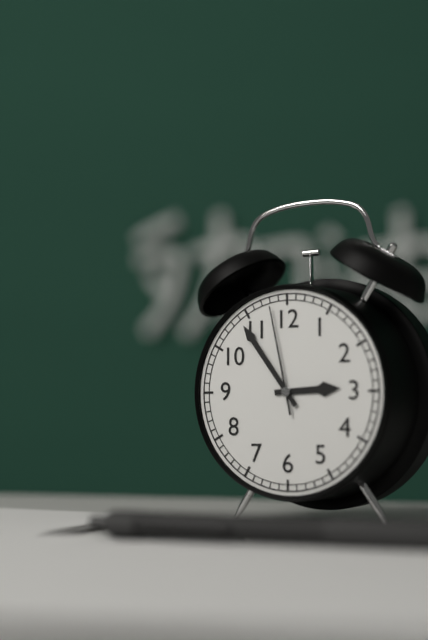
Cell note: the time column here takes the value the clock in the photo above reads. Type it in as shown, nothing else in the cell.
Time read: 2:54:58
